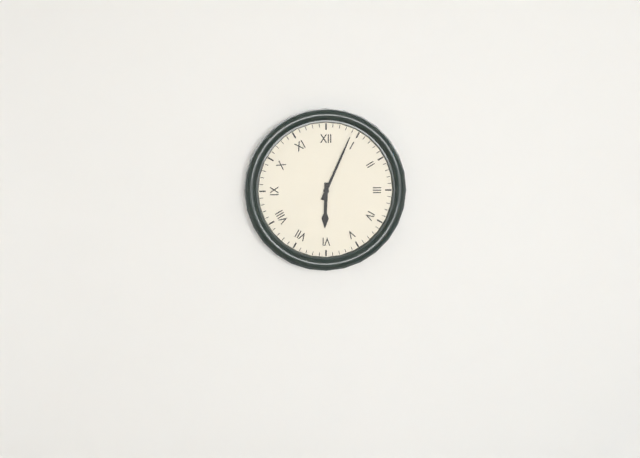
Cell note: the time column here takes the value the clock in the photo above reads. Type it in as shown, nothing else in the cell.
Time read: 6:04
